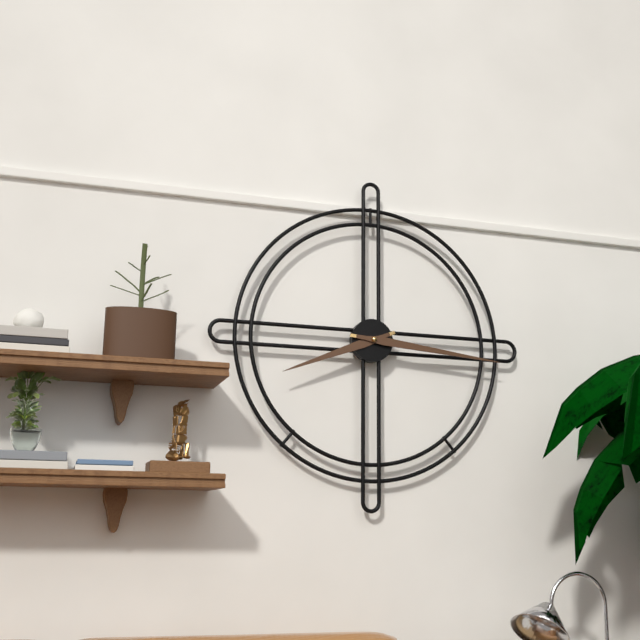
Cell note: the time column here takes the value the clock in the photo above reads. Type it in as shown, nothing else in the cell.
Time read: 8:16
